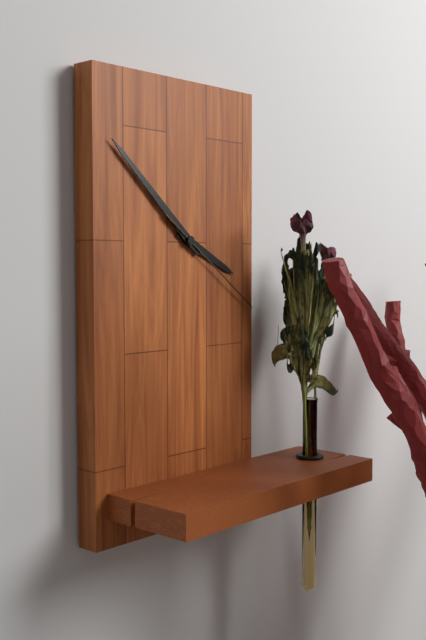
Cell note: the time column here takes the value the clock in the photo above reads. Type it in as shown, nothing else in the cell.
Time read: 3:52:21
